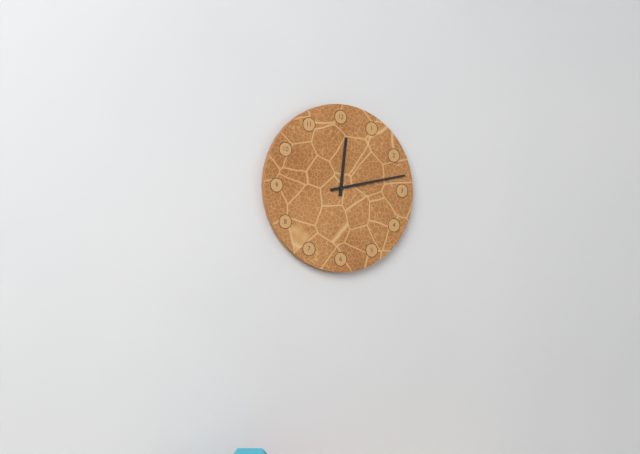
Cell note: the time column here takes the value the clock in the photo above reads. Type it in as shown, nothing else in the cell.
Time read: 12:13
